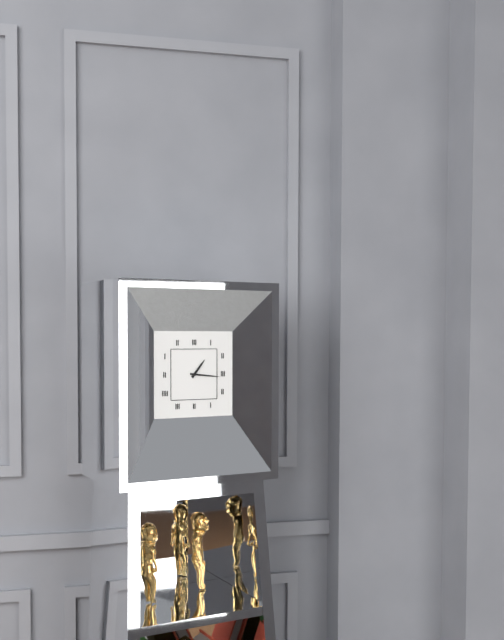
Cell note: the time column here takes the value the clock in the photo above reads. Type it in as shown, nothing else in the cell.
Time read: 1:16
